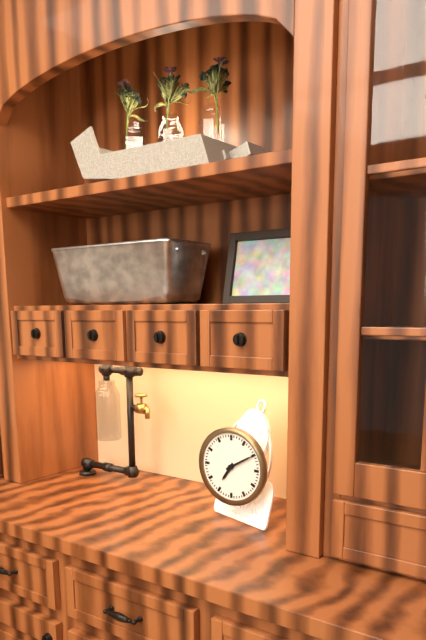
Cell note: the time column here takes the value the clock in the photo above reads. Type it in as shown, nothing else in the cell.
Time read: 7:10
